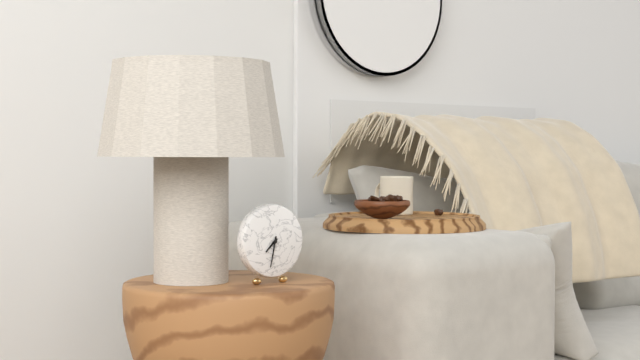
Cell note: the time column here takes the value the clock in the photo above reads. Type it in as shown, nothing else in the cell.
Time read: 7:32
